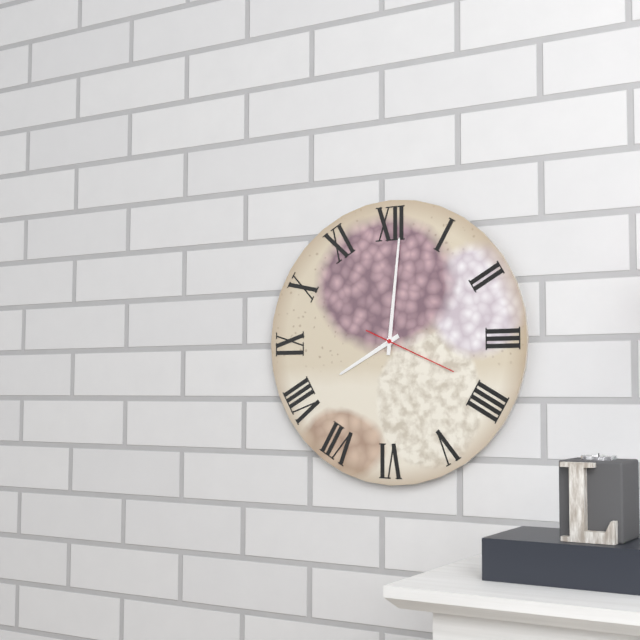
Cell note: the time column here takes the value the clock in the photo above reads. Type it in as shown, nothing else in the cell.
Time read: 8:01:19
